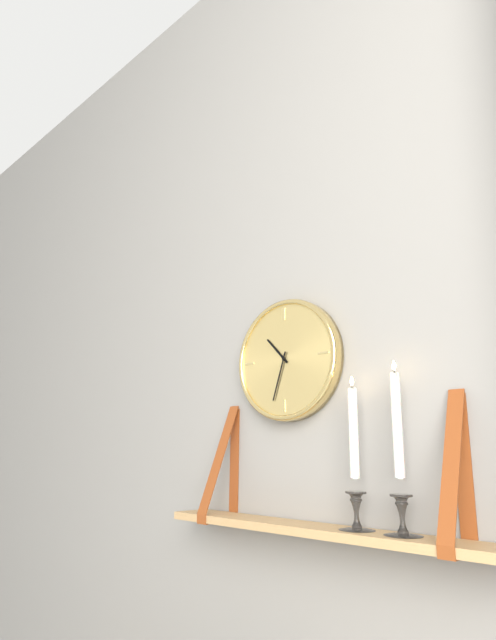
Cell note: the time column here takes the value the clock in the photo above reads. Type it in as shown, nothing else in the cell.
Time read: 10:33
